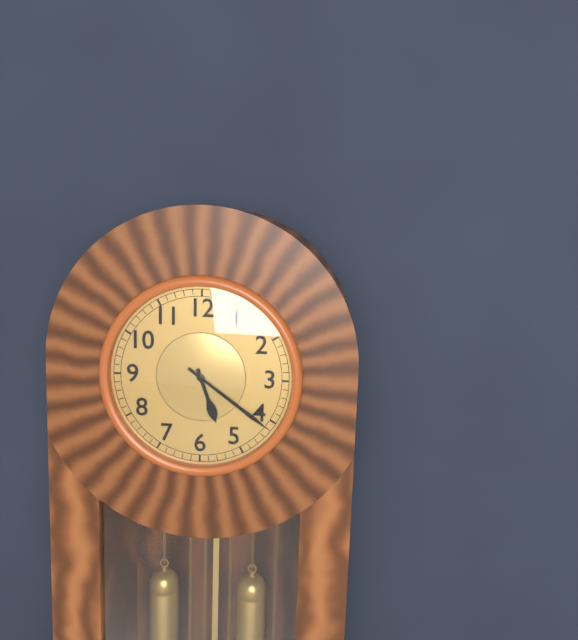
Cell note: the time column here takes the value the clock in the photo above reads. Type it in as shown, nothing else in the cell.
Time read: 5:21
